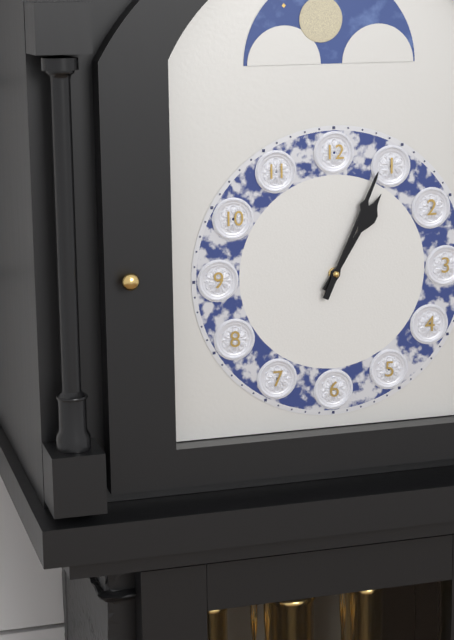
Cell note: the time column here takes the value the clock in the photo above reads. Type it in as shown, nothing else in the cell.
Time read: 1:04
